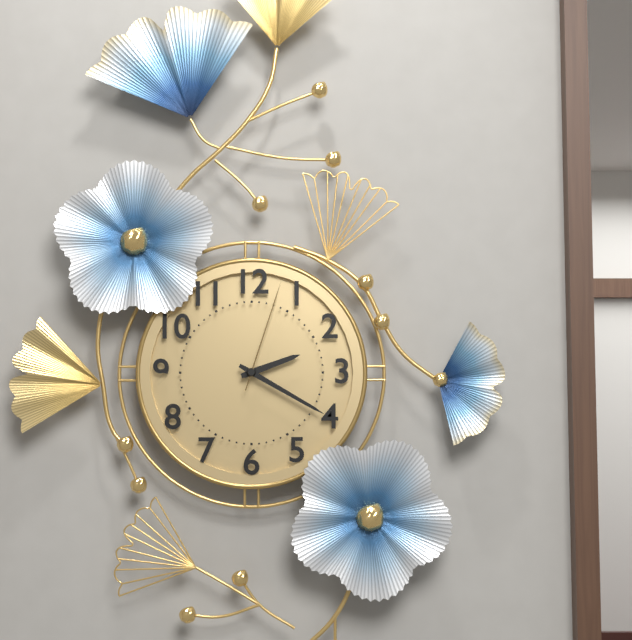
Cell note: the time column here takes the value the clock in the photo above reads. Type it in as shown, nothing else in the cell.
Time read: 2:20:03
